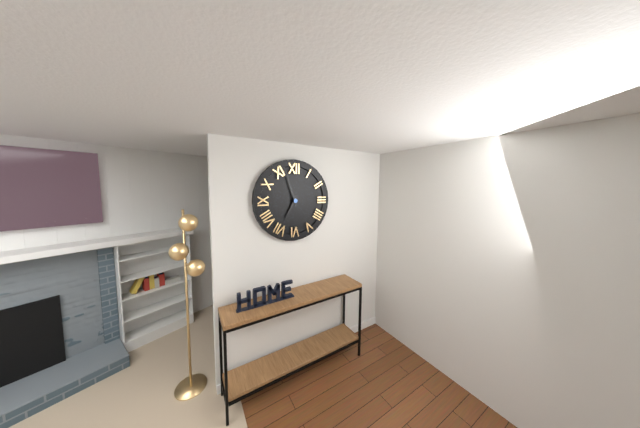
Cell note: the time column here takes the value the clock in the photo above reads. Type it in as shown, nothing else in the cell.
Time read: 6:57
